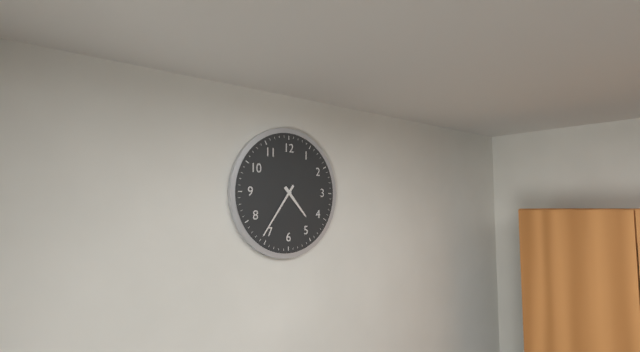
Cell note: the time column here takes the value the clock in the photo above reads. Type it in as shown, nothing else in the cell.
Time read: 4:36
